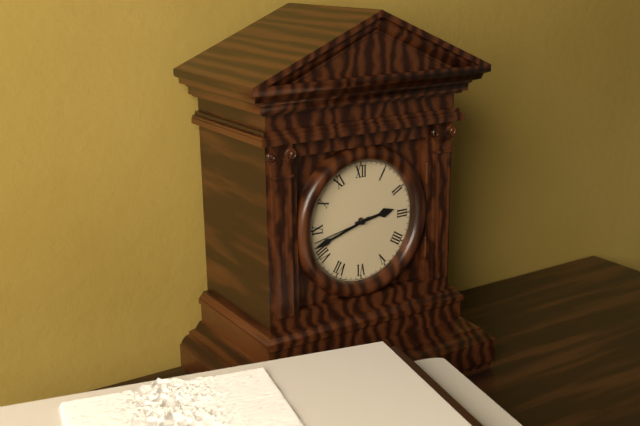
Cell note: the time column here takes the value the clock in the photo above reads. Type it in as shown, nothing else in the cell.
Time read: 2:42:43
